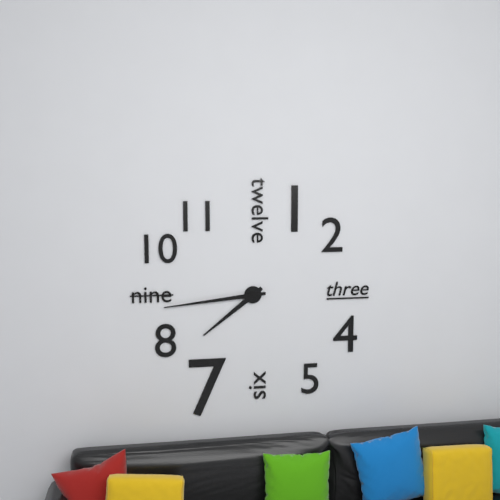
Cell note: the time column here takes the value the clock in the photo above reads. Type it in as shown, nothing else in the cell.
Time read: 7:44
